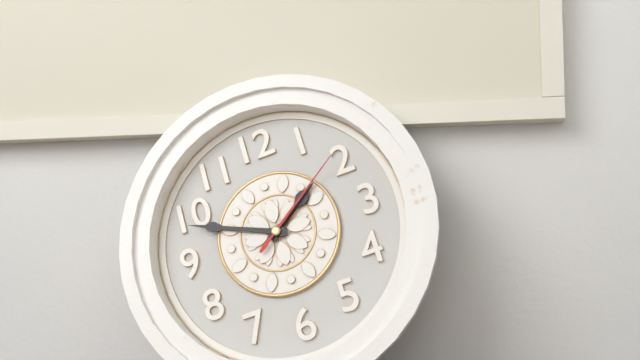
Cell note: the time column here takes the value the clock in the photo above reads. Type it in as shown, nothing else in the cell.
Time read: 1:49:09
